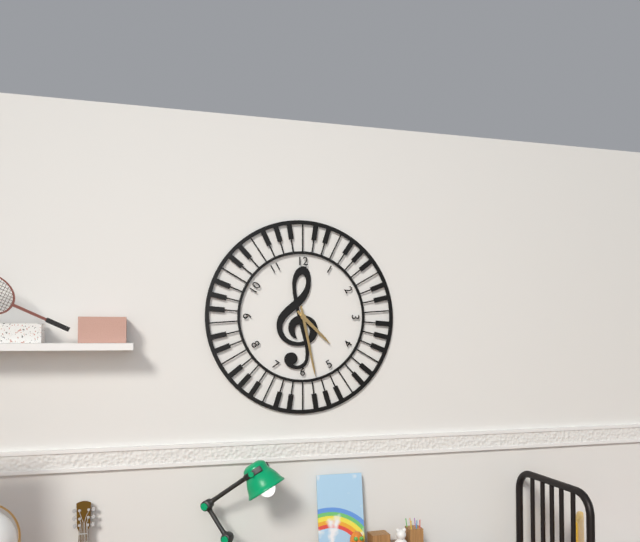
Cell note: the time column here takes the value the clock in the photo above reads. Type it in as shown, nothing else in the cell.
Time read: 4:28
